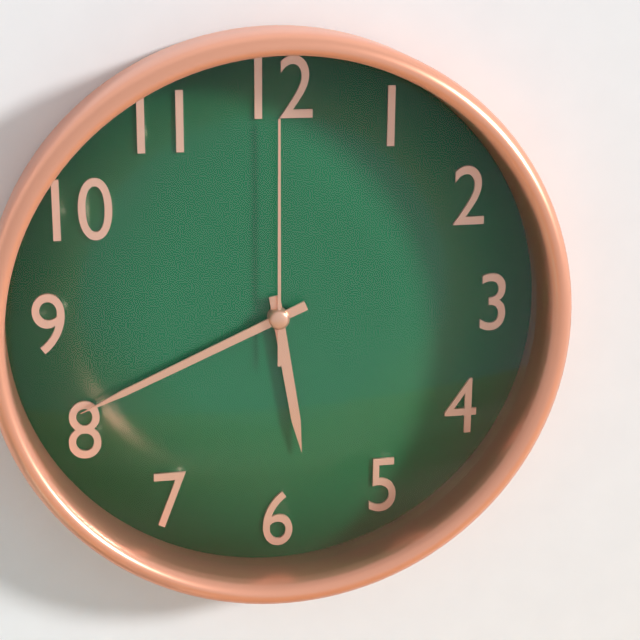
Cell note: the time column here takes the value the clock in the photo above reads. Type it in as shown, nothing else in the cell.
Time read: 5:41:00
